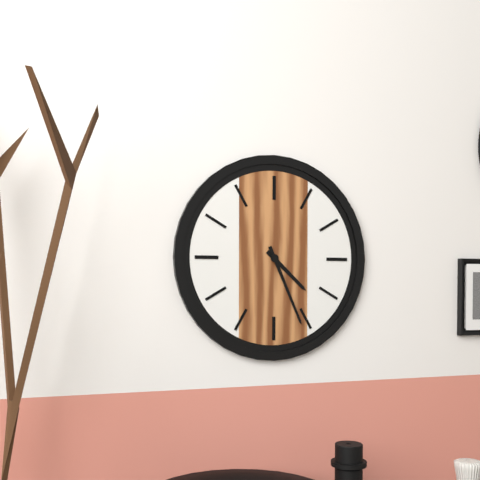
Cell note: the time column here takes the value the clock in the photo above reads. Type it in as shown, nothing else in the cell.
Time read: 4:26
